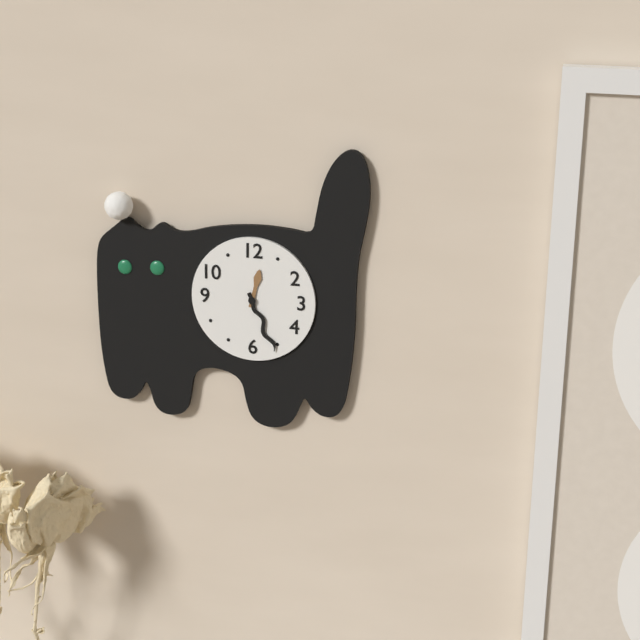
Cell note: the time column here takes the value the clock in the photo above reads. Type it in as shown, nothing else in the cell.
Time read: 12:26
